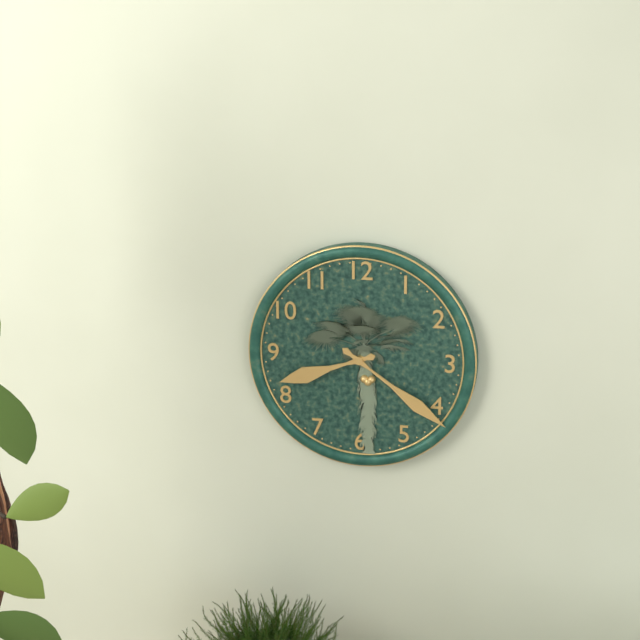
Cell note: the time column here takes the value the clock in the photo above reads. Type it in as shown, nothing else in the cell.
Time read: 8:21
